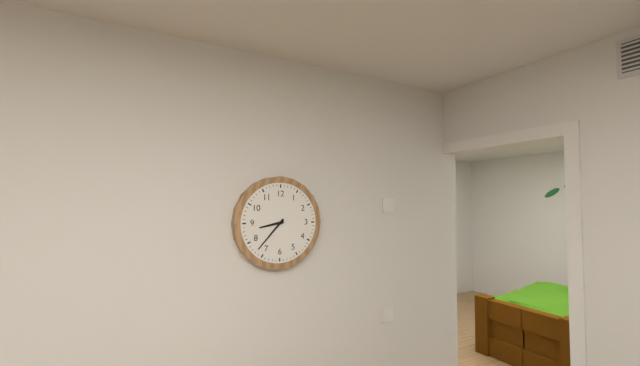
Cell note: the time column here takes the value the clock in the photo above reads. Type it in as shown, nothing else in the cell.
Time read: 8:37
